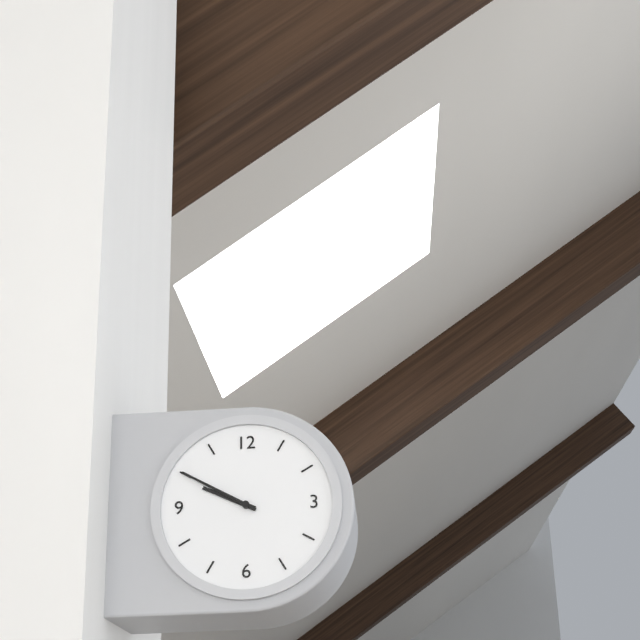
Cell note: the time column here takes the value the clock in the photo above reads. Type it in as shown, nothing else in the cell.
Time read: 9:50
